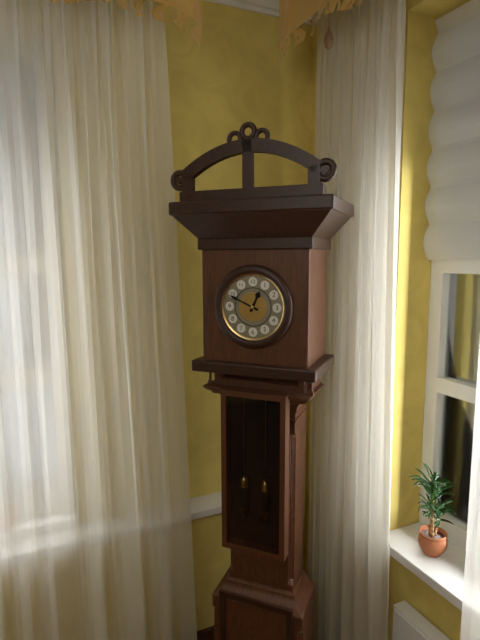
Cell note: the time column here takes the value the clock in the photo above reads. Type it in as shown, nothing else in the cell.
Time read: 12:49
